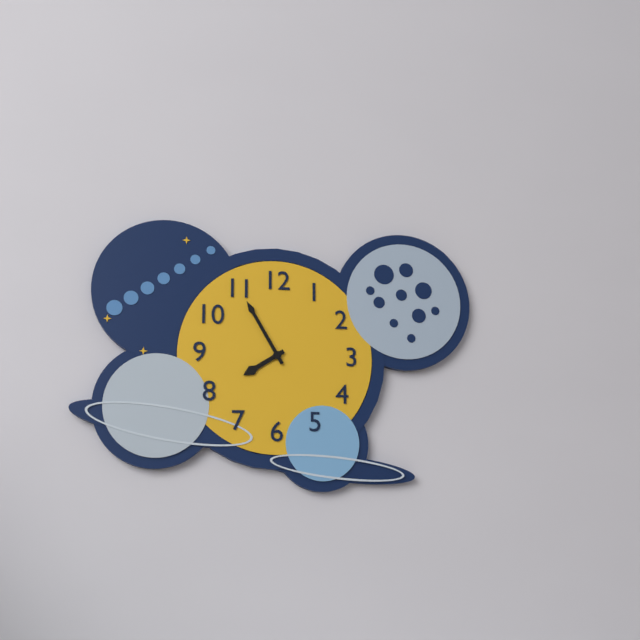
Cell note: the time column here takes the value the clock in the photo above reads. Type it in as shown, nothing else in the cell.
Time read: 7:55
